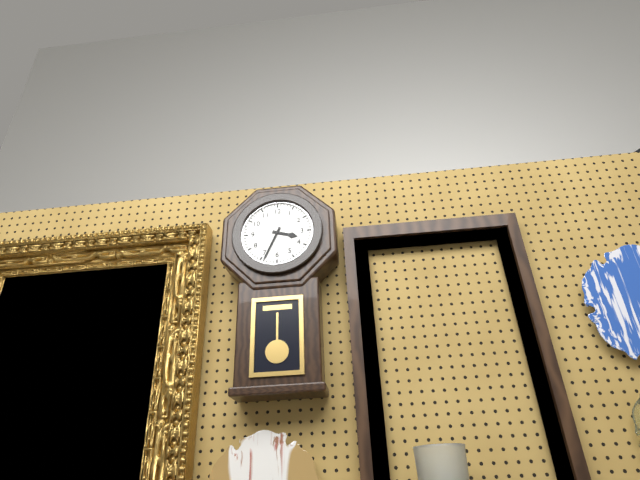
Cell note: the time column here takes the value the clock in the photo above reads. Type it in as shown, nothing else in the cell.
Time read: 3:34
